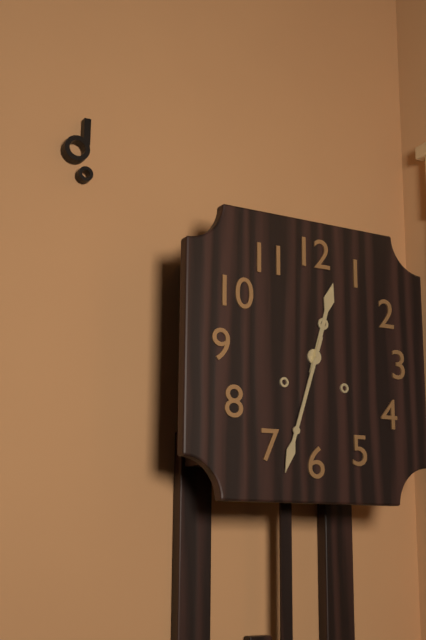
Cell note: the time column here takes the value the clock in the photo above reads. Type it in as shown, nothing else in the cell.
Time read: 12:33
